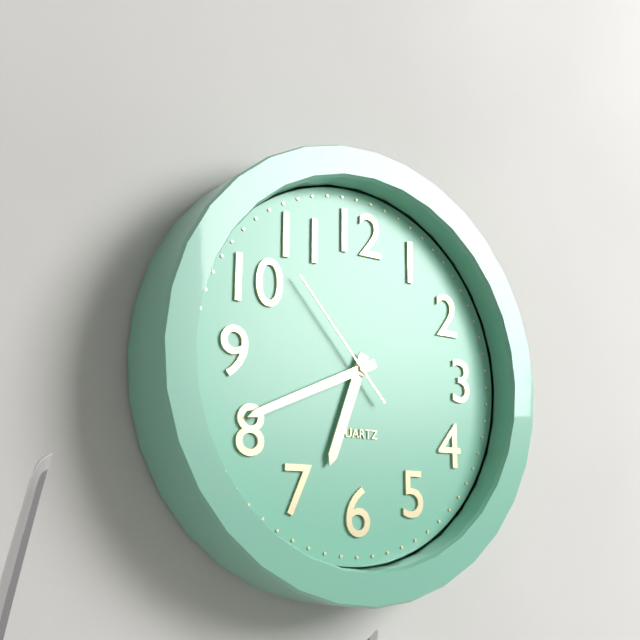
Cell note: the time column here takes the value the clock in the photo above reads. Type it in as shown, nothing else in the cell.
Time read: 6:41:53
